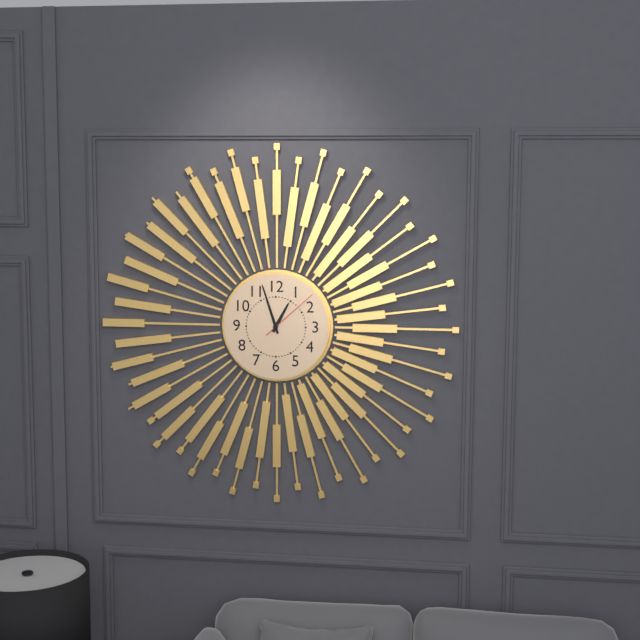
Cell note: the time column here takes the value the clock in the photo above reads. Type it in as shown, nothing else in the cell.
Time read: 12:57:08
